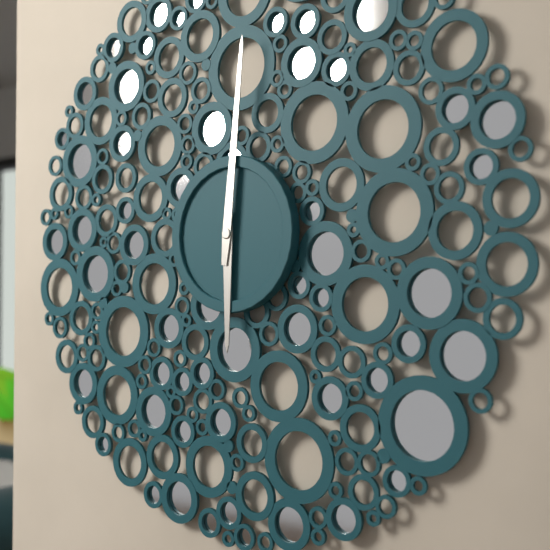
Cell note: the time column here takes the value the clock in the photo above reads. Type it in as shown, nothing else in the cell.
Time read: 6:01
